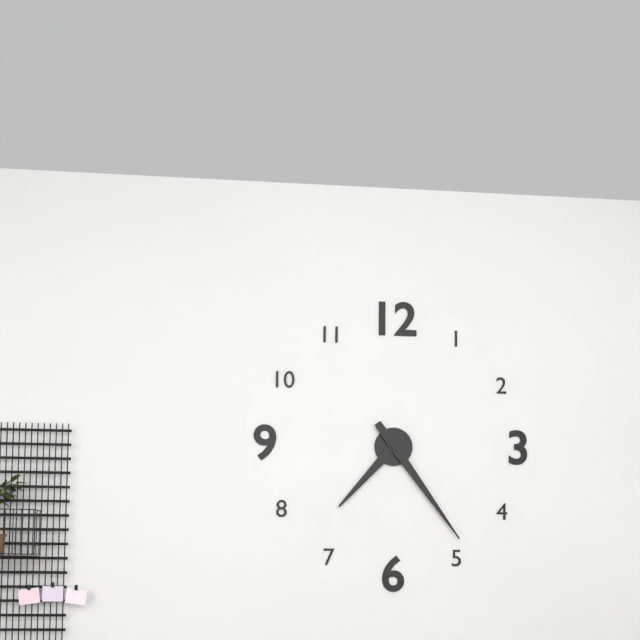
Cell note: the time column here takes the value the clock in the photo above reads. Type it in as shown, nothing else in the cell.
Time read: 7:24
